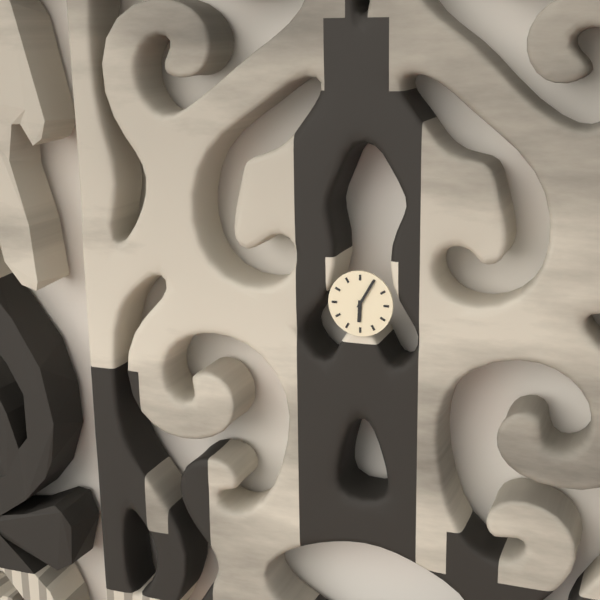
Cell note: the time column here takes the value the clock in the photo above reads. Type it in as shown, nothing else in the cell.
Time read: 6:05
